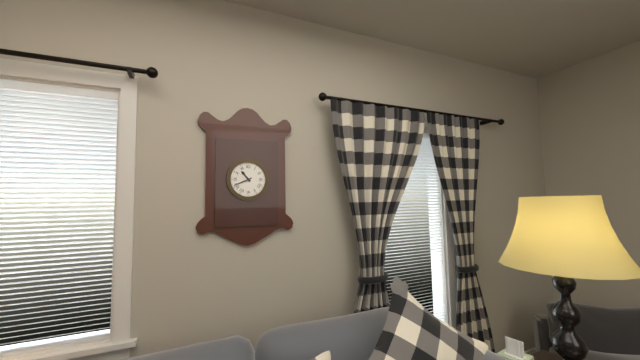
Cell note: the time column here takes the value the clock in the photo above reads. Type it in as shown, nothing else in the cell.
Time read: 10:41
